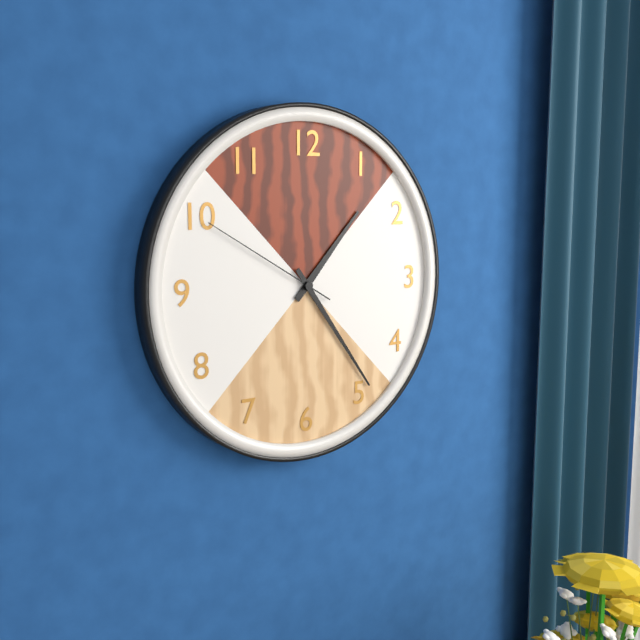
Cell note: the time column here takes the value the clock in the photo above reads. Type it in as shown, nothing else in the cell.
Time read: 1:24:50
